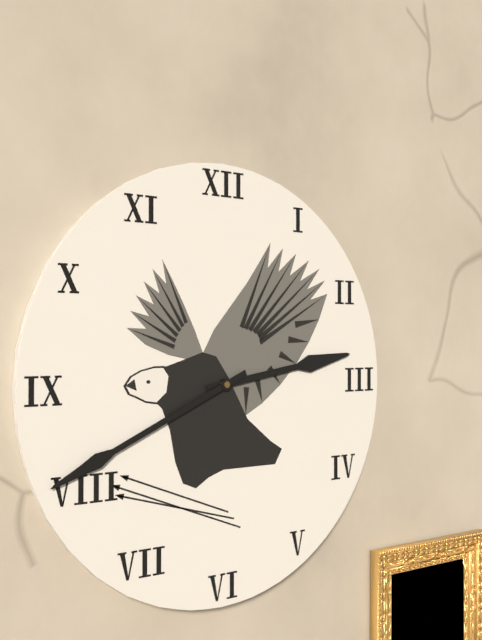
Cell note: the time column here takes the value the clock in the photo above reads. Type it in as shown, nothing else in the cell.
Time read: 2:41
